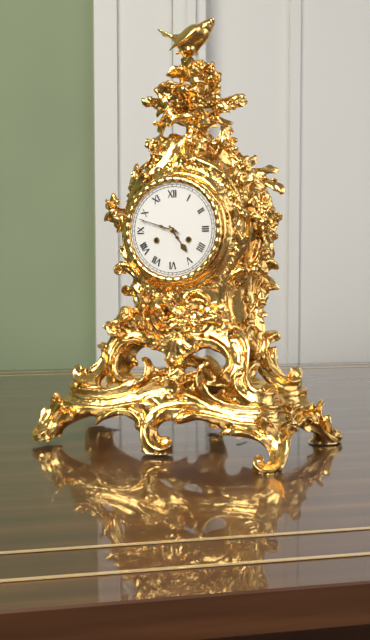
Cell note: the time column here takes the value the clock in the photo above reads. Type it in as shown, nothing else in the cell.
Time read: 4:48
